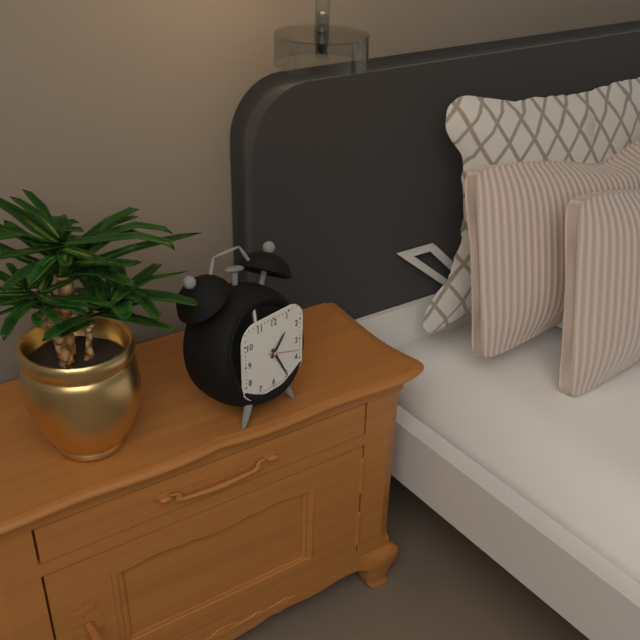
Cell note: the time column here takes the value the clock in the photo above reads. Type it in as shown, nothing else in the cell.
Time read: 1:25
